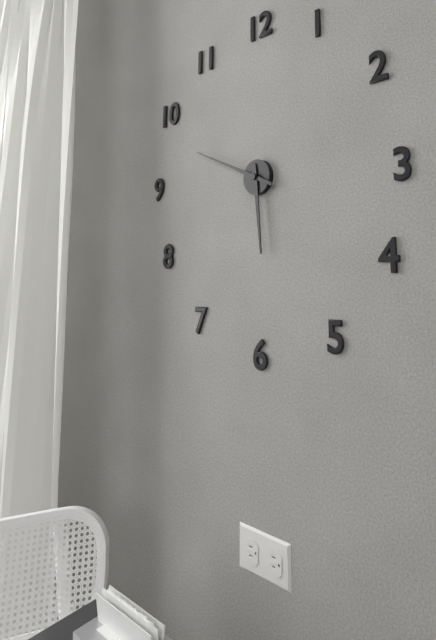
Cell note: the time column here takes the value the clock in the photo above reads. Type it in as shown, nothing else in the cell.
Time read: 5:49
